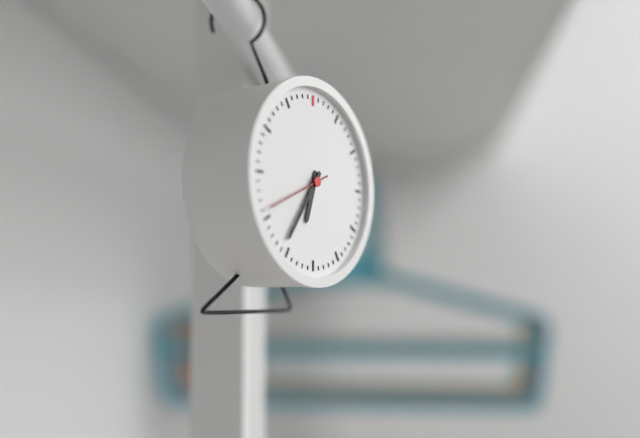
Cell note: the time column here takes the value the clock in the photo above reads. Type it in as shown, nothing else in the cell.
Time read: 6:36:41
